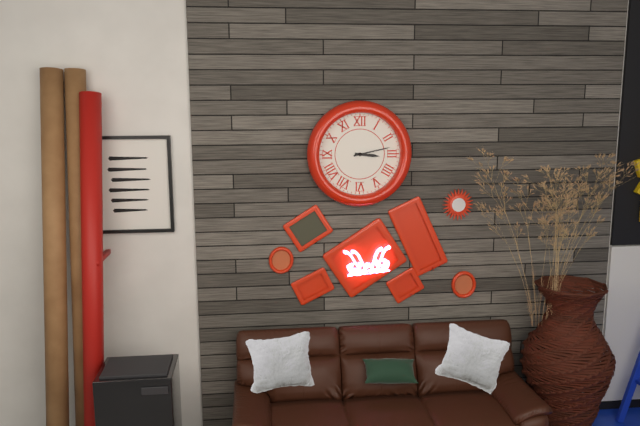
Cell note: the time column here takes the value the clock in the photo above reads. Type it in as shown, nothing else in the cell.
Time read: 3:13
